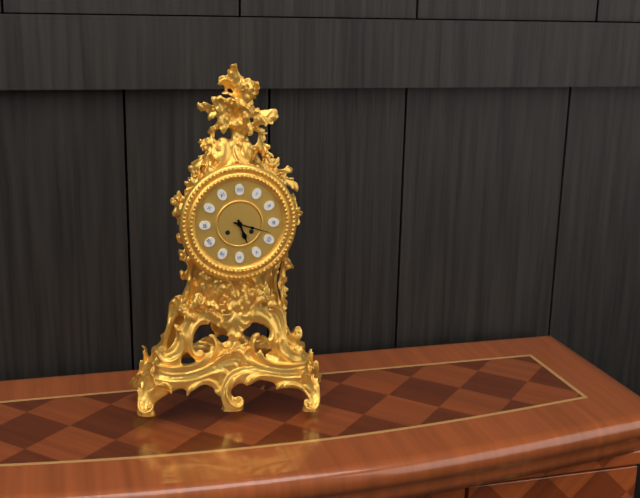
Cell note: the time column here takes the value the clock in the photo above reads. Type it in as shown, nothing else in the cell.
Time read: 5:18
